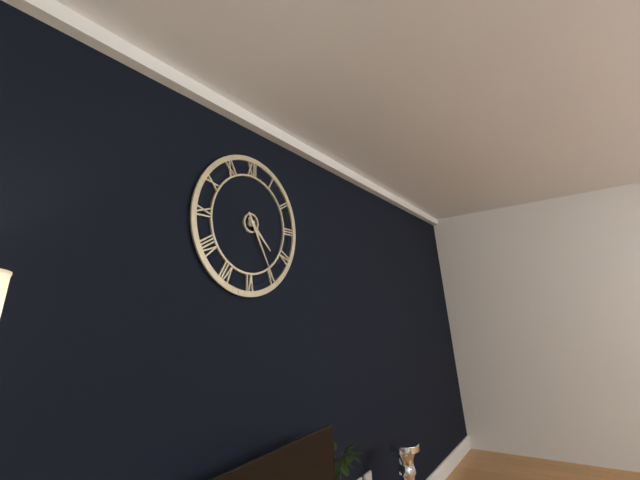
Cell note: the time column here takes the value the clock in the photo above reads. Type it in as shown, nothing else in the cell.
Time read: 4:25
